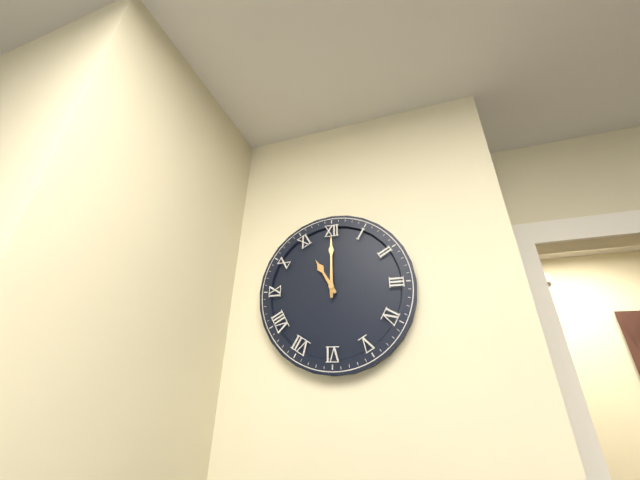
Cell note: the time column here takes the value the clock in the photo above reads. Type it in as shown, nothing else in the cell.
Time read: 11:00
